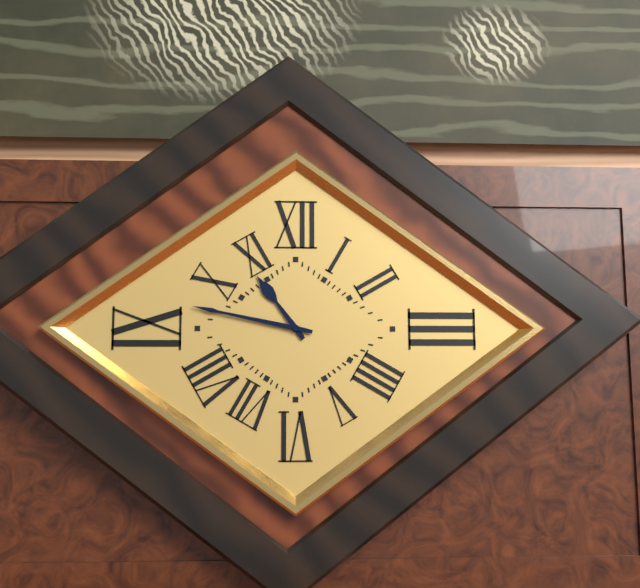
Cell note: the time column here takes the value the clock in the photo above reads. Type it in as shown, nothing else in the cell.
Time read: 10:47
